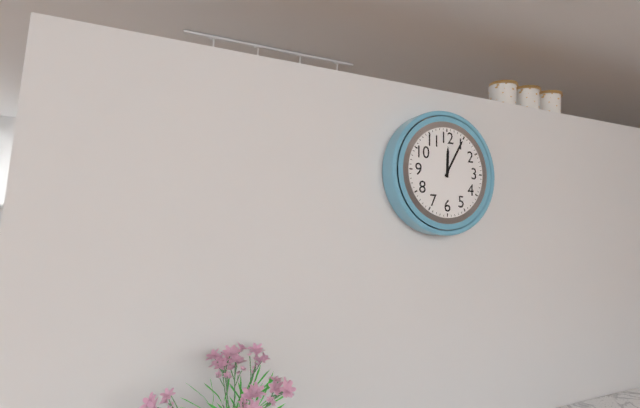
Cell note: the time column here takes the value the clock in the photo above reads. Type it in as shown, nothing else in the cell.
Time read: 12:05
